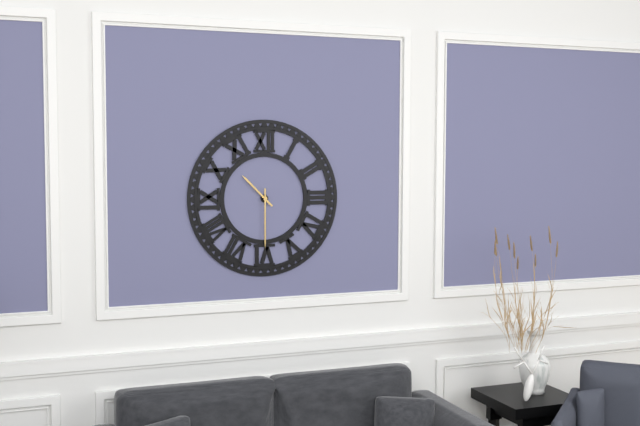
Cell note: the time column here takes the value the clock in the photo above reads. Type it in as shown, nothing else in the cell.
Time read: 10:30
